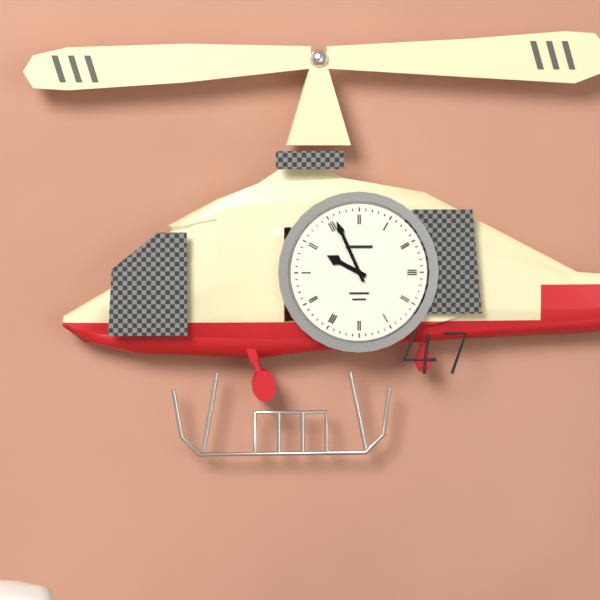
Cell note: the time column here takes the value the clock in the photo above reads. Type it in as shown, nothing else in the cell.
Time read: 9:56
